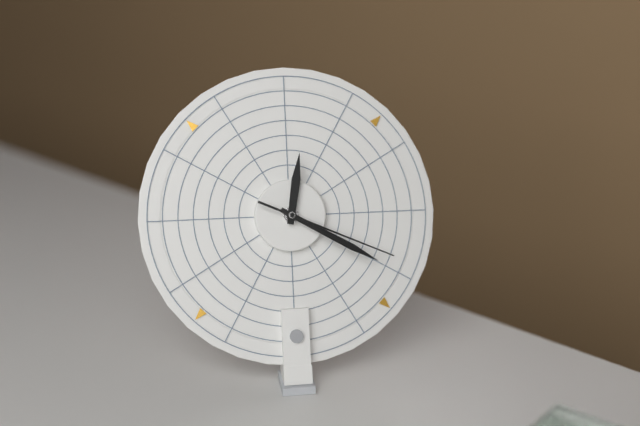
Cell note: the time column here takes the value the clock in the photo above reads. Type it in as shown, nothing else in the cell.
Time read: 12:20:19
